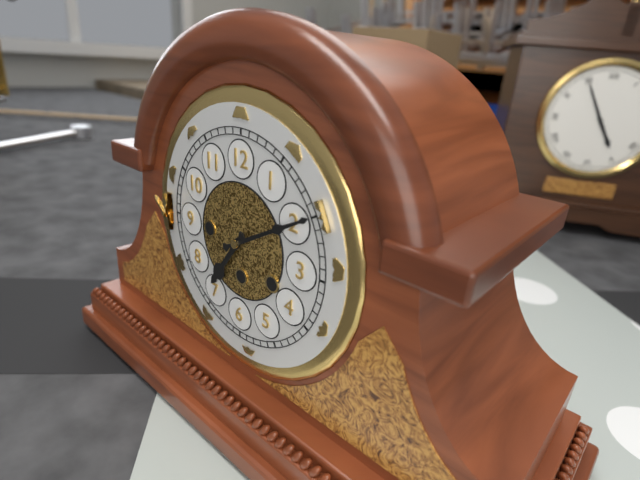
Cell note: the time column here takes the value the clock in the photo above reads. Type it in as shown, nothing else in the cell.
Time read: 7:10
